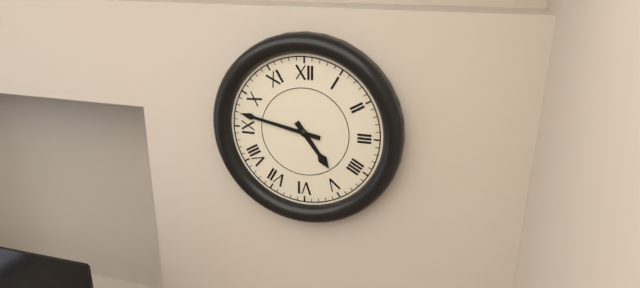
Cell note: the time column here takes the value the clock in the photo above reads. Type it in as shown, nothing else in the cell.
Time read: 4:47
